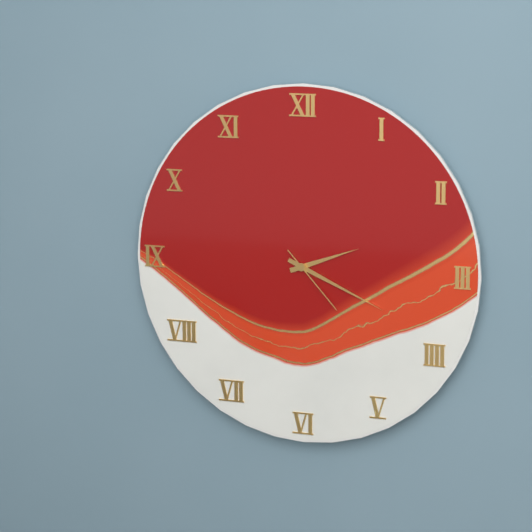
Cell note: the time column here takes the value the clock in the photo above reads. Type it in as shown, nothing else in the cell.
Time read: 2:19:23
